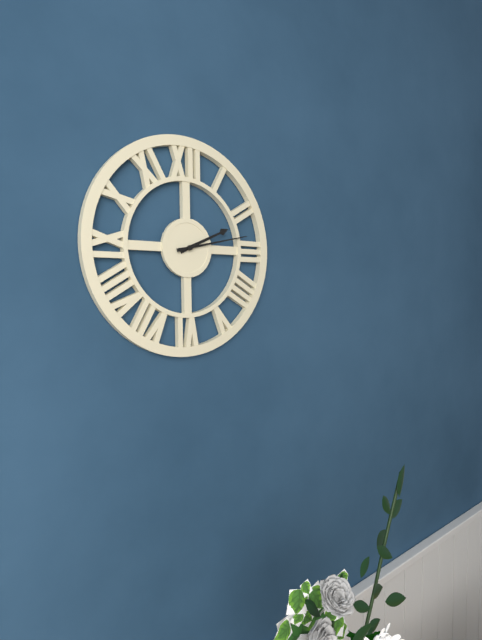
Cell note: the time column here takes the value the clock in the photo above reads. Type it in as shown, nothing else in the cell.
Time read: 2:13
